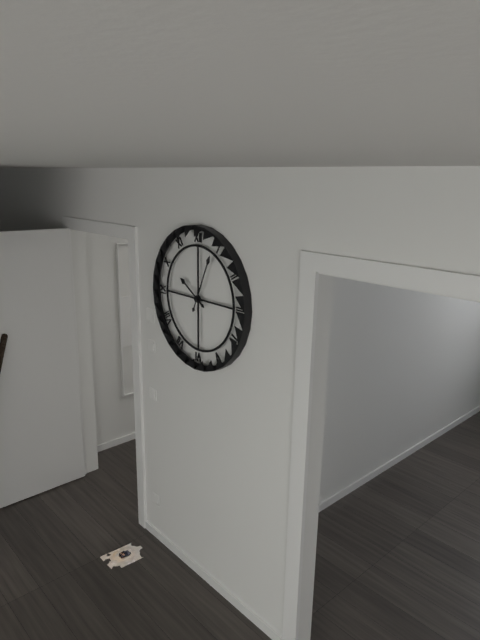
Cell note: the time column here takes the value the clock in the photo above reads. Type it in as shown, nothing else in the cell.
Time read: 10:04
